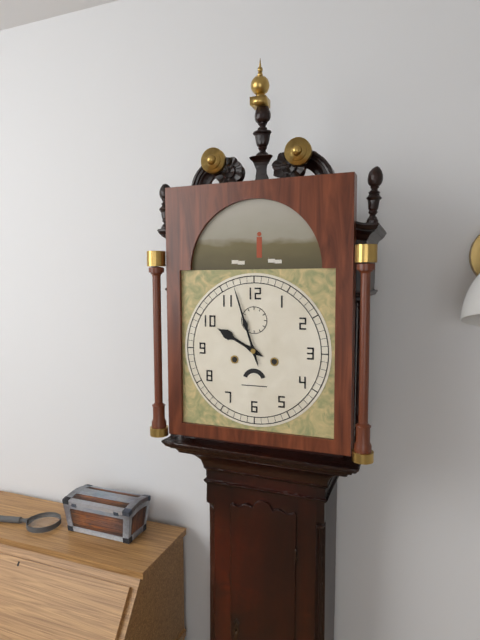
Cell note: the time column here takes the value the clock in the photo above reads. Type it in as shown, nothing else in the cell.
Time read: 9:57
